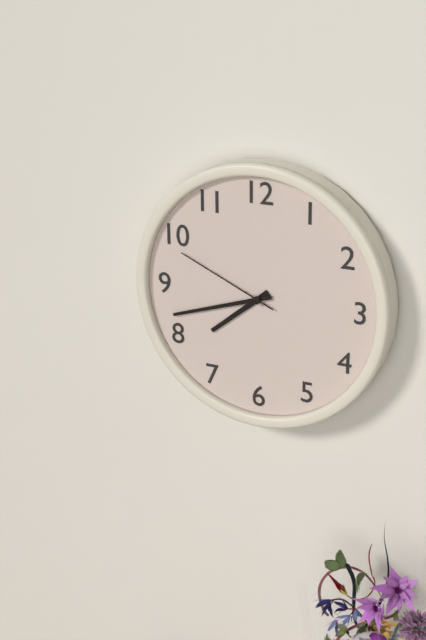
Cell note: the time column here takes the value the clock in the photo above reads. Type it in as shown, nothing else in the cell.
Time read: 7:42:49
